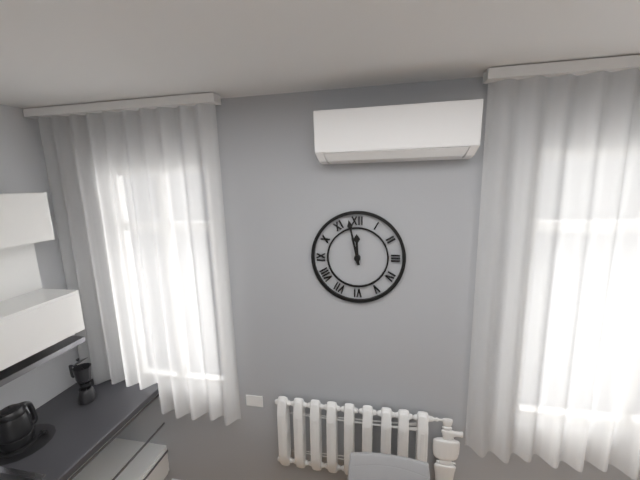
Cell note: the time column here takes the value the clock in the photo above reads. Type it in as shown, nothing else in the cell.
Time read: 11:58
